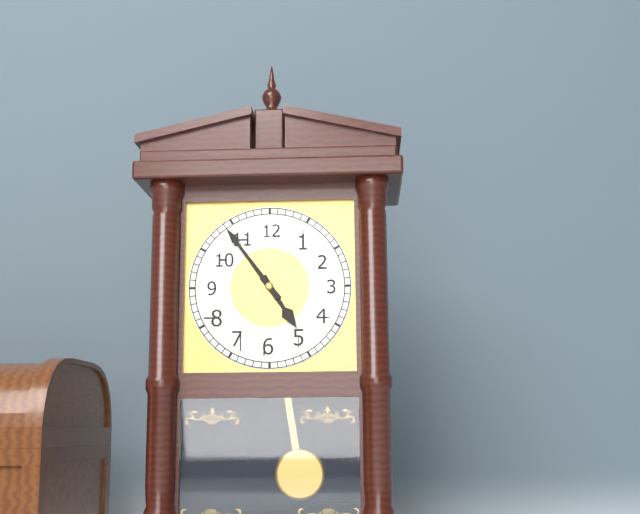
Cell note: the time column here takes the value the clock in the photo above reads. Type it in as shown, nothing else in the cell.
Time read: 4:54
